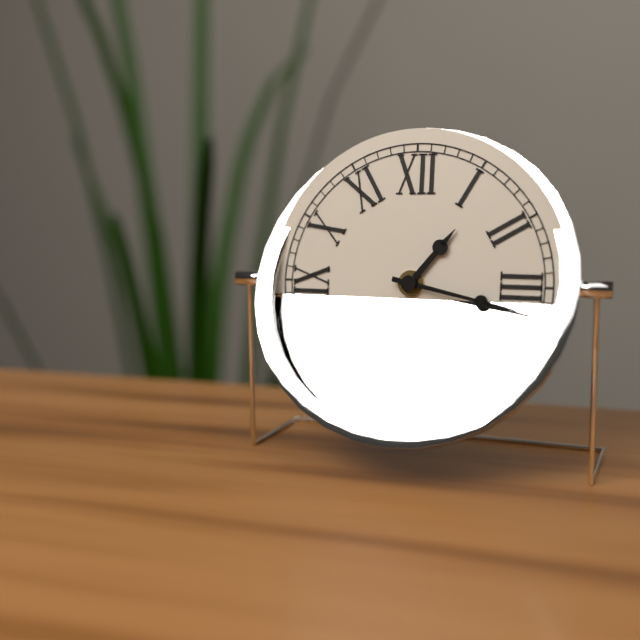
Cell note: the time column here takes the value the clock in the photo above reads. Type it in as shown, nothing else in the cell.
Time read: 1:17
